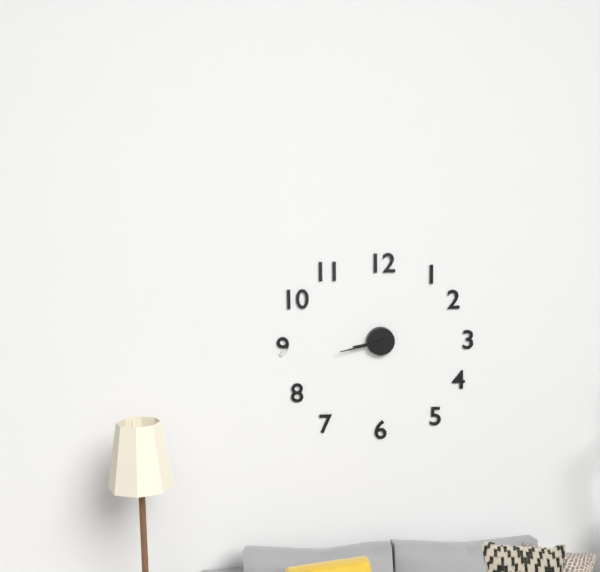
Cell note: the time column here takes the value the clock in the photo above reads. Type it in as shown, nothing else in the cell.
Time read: 8:43
